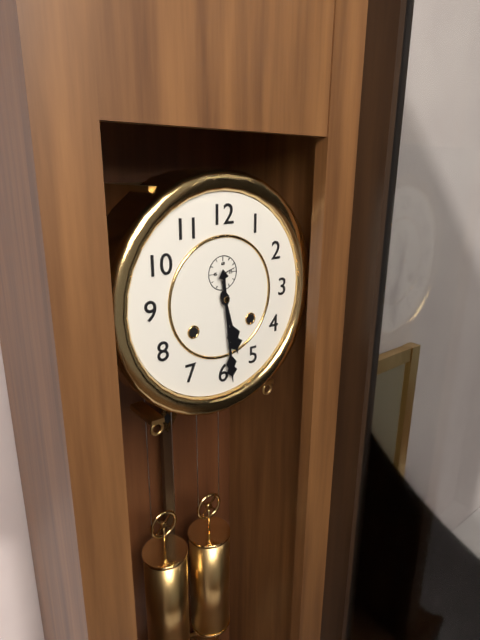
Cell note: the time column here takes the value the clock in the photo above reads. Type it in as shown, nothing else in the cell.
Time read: 5:29
